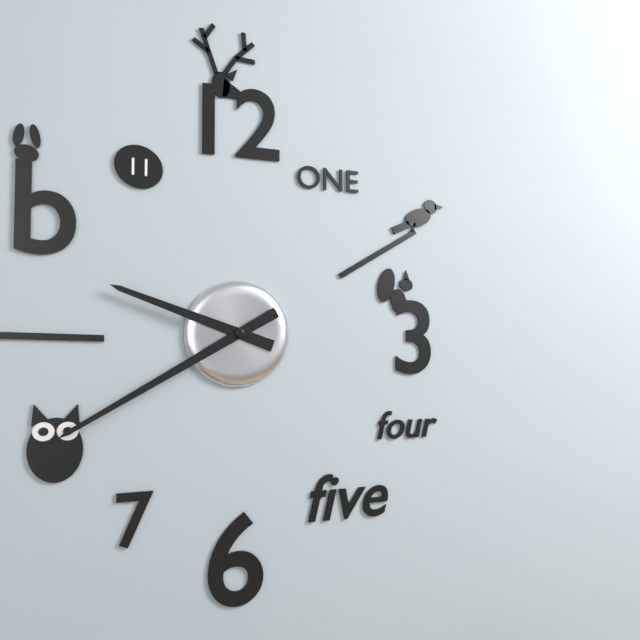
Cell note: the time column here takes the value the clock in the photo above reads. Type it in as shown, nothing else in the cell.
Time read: 9:40
